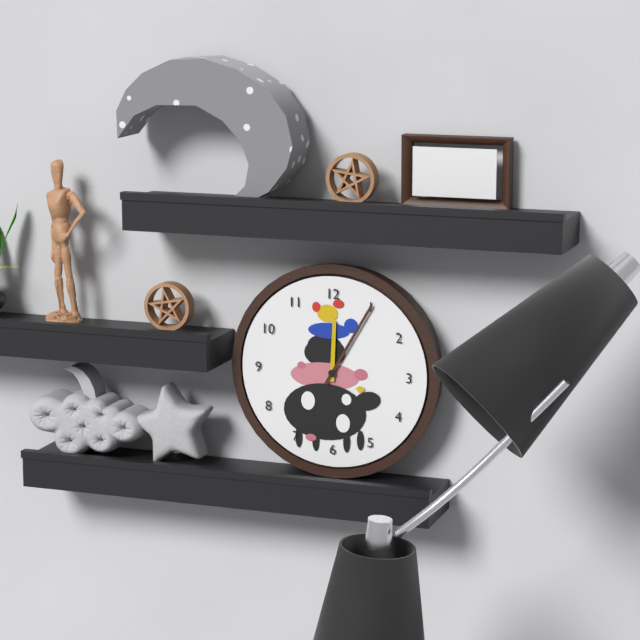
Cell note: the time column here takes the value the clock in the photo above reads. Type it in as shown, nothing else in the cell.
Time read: 12:05
